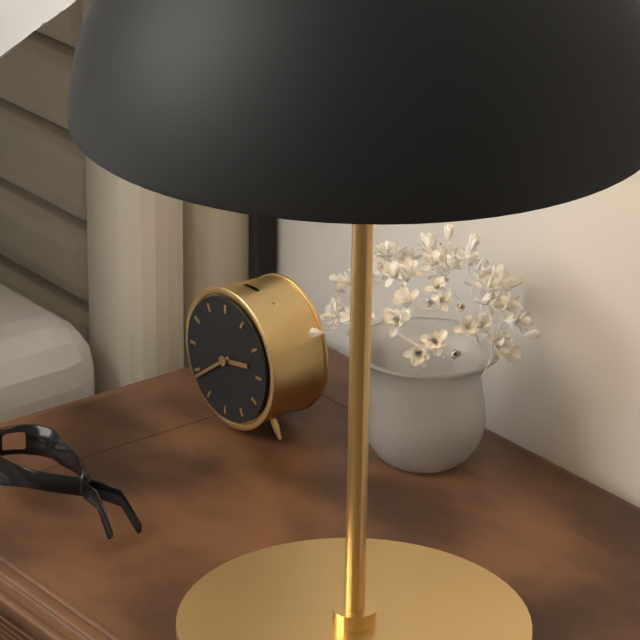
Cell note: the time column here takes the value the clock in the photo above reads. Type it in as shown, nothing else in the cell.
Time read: 2:39
